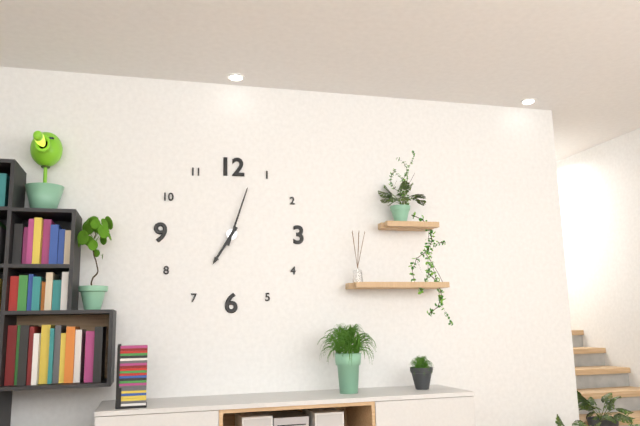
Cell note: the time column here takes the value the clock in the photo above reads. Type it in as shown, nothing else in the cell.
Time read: 7:03
